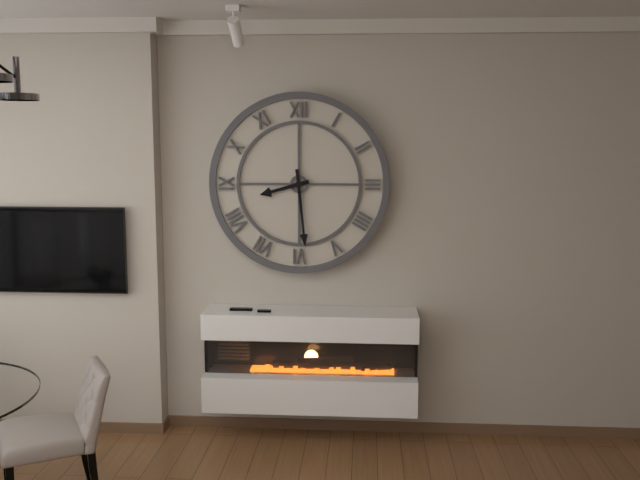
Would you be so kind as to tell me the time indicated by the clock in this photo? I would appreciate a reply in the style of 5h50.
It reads 8h29
